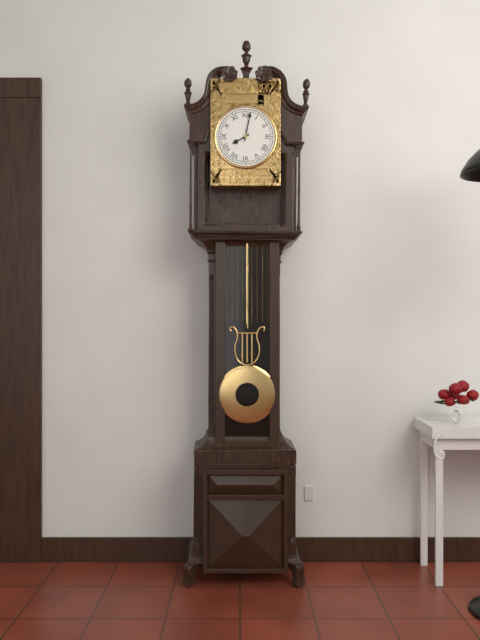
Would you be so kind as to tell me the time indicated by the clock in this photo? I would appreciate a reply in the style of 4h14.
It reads 8h02
